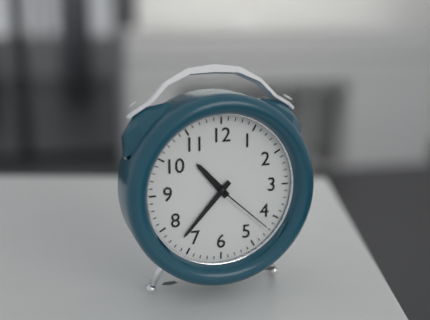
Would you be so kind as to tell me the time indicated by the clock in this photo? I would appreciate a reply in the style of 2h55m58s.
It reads 10h37m22s
